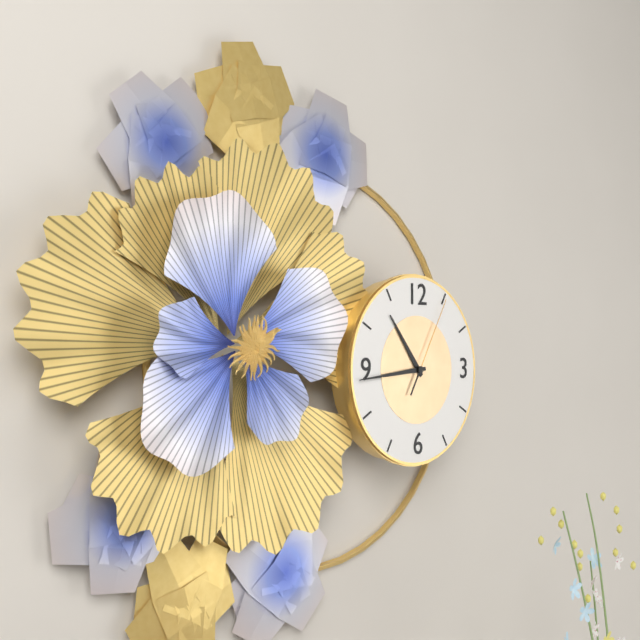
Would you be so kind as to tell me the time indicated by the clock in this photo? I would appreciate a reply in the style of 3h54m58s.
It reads 10h44m05s
